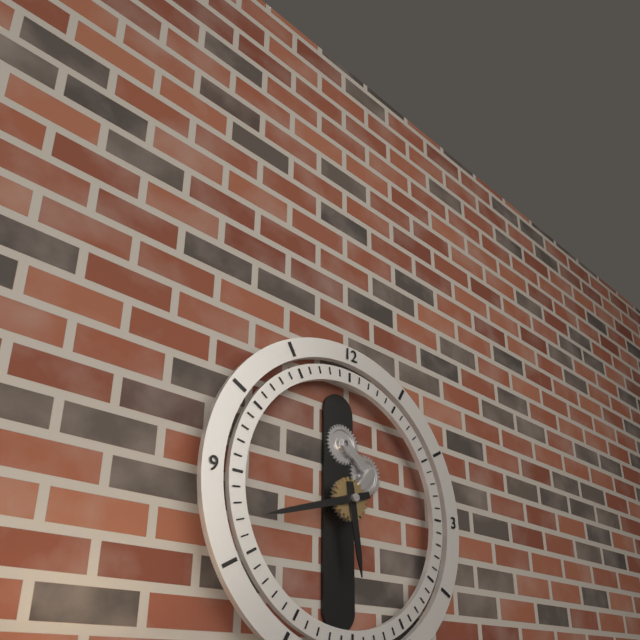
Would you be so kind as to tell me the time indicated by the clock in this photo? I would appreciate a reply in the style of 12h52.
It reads 5h42
